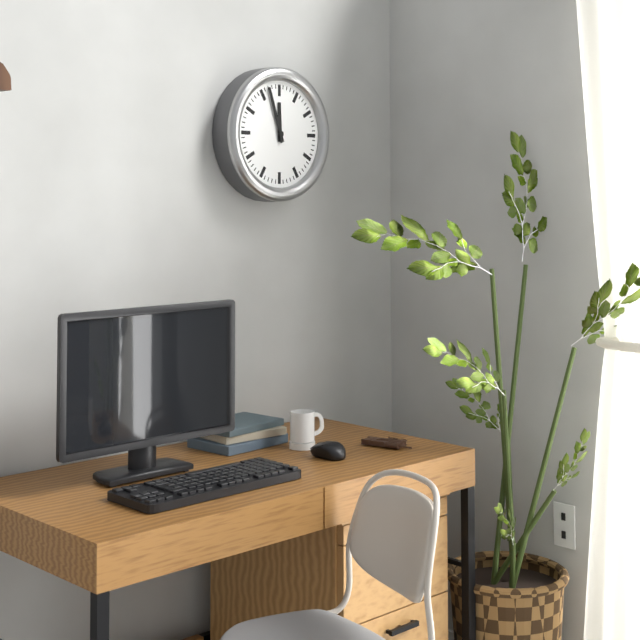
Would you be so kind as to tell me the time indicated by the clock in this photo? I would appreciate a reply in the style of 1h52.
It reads 11h57
